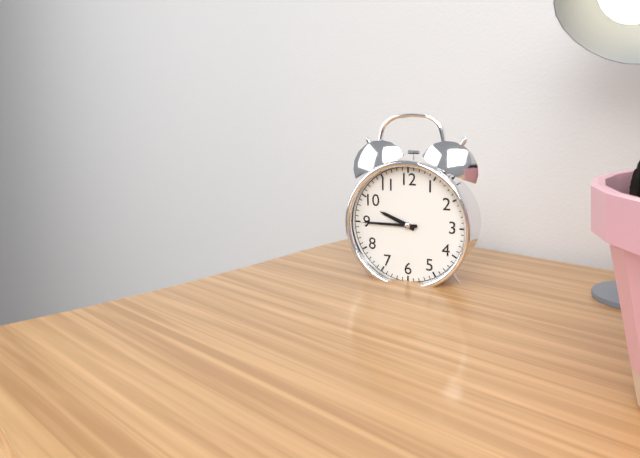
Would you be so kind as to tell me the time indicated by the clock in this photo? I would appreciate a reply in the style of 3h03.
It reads 9h45
